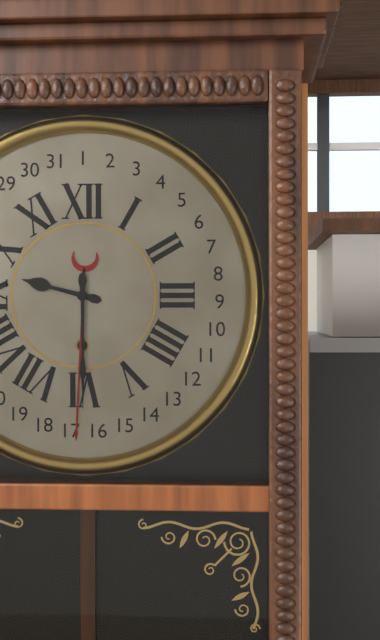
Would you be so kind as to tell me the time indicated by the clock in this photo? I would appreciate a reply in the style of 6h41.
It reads 9h30
